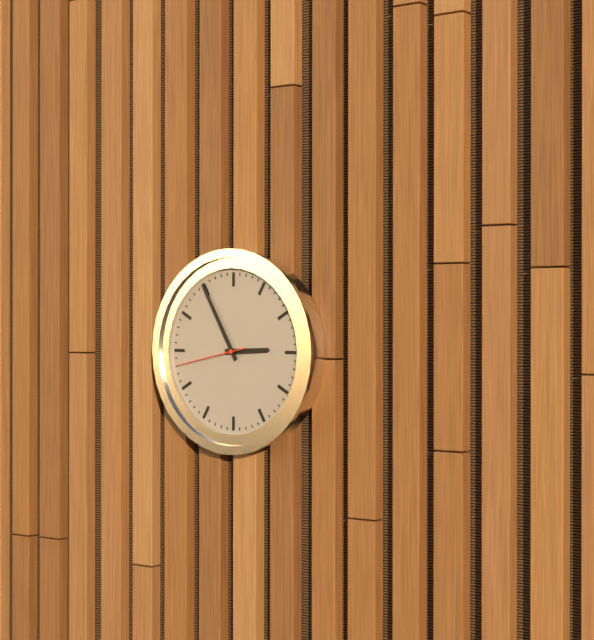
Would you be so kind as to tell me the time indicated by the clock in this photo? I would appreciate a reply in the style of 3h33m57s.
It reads 2h55m43s
